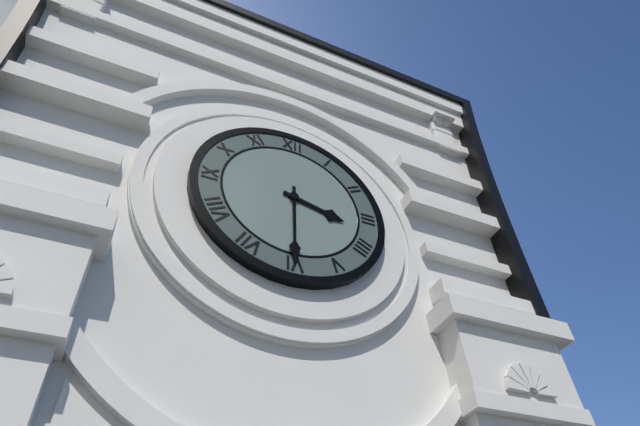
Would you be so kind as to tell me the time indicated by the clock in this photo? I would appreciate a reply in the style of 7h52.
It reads 3h30
